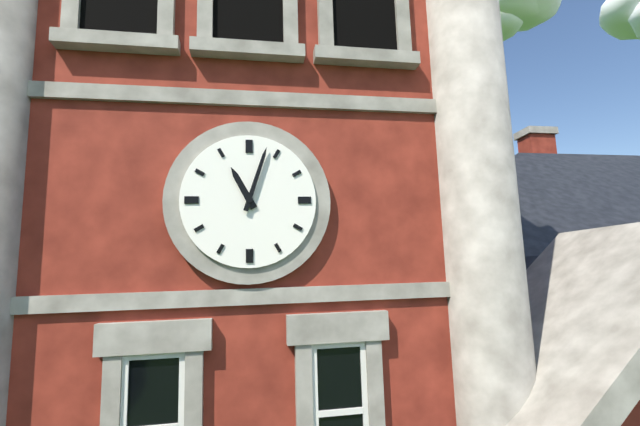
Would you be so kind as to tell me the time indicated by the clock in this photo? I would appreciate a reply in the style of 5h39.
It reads 11h03
